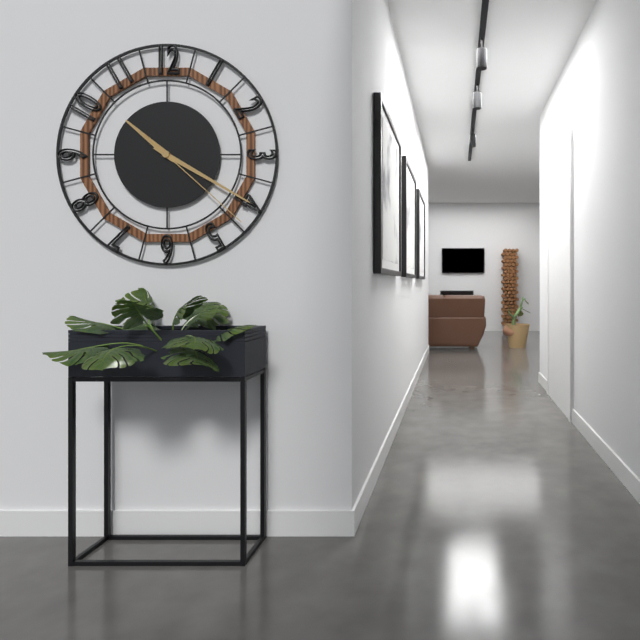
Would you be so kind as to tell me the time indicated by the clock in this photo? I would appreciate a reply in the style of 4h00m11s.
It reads 10h20m22s
